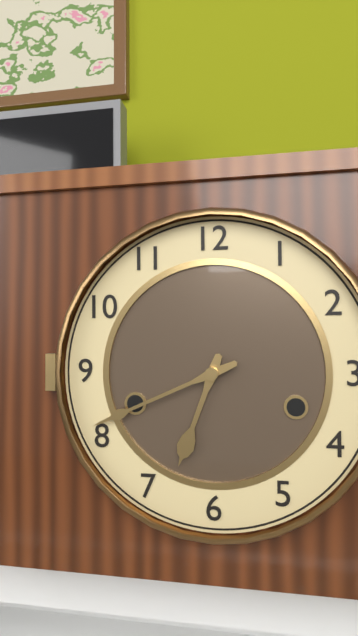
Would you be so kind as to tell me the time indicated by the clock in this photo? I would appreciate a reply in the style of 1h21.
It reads 6h41
